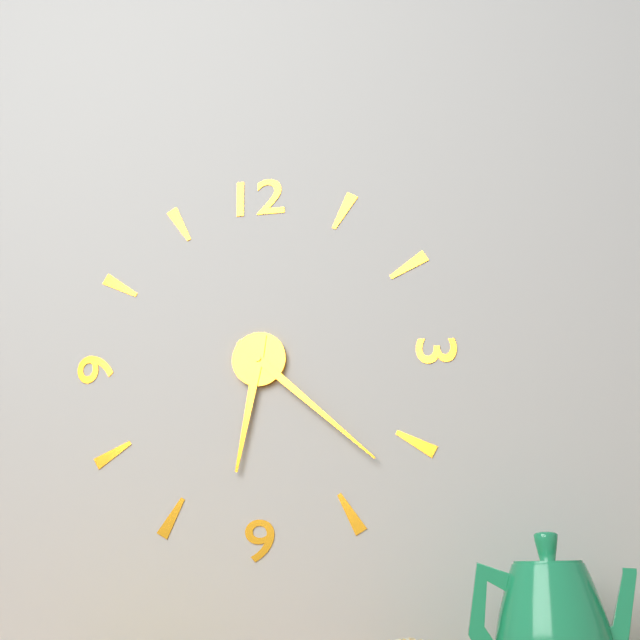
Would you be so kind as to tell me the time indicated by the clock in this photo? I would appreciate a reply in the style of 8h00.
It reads 6h22
